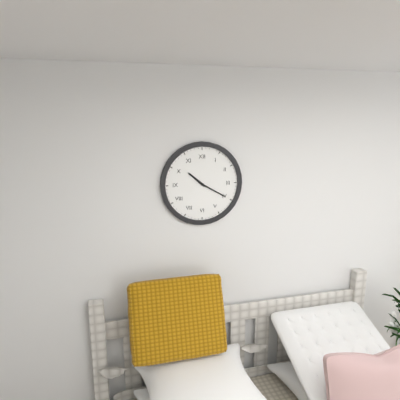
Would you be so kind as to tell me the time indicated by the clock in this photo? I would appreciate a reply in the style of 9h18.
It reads 10h20
